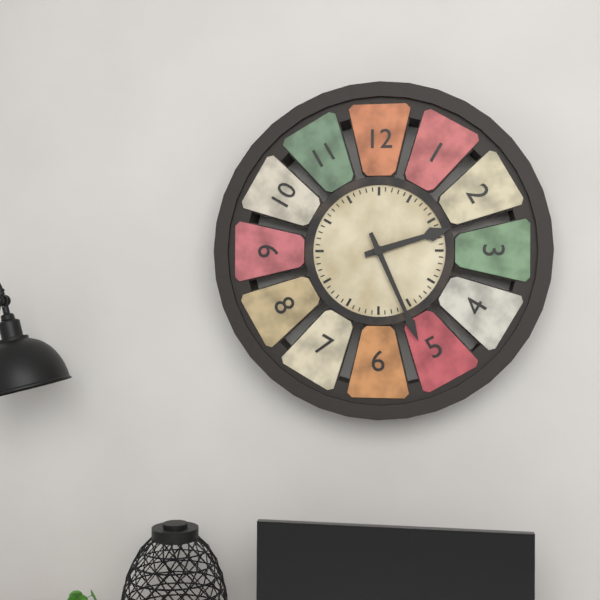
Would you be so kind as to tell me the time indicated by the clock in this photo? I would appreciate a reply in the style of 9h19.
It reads 2h26
